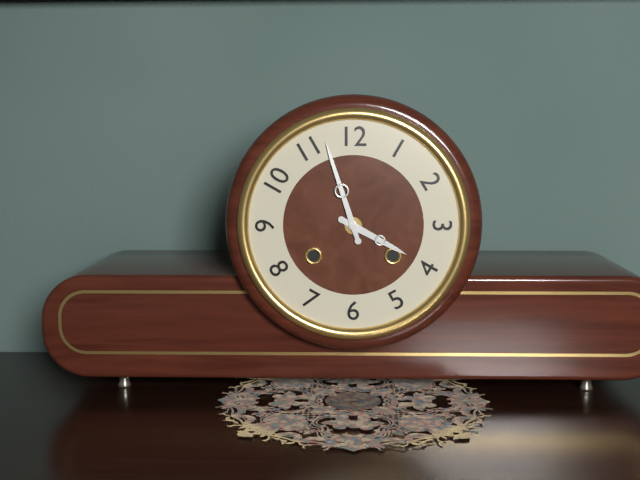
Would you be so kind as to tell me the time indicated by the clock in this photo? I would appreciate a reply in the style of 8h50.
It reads 3h57
